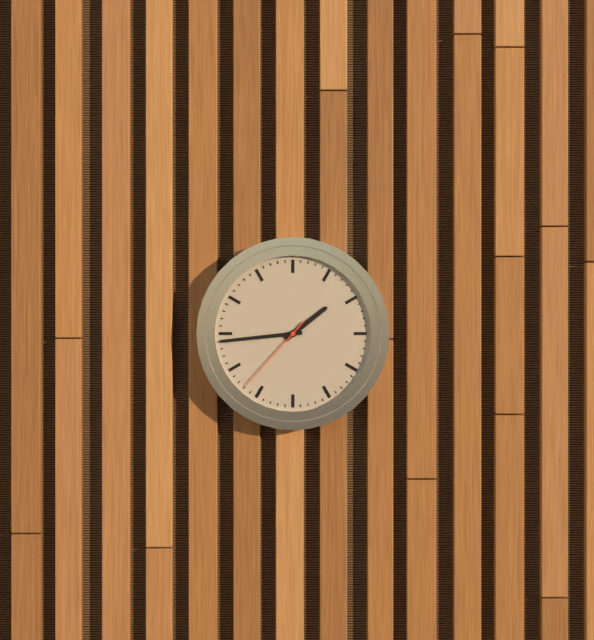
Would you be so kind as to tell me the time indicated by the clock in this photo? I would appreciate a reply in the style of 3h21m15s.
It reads 1h44m37s
